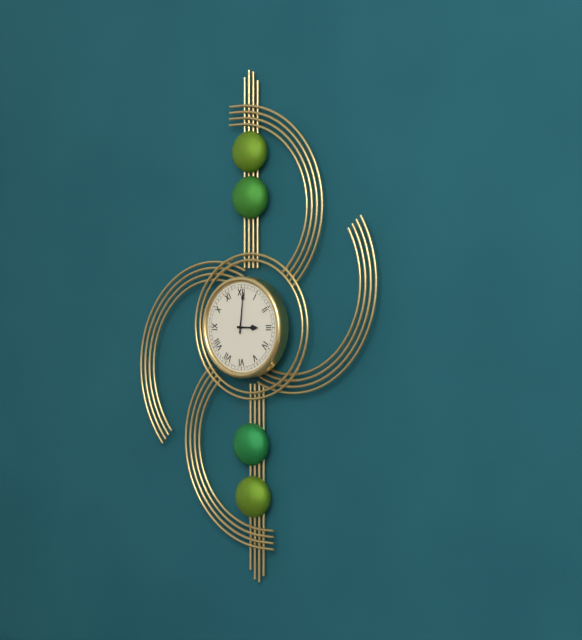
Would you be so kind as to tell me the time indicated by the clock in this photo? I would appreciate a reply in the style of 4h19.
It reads 3h01
